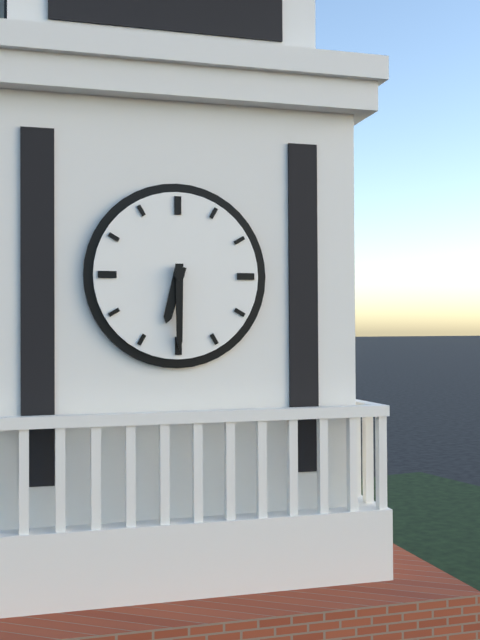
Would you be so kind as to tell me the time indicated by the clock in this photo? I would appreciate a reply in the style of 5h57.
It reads 6h30
